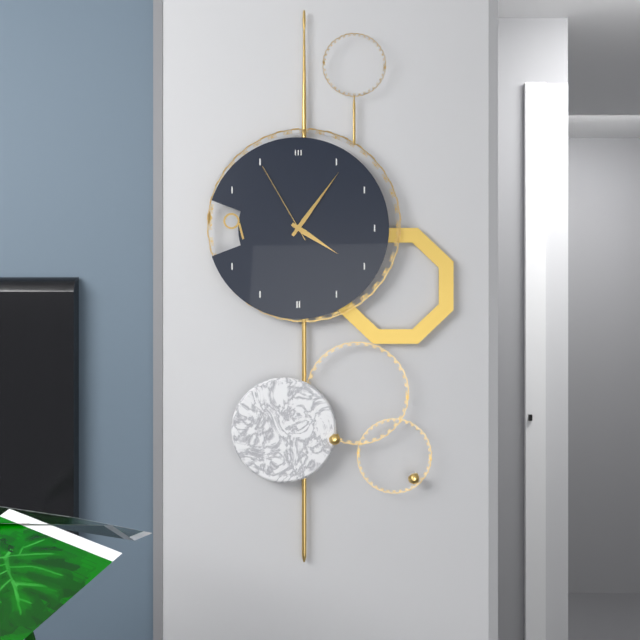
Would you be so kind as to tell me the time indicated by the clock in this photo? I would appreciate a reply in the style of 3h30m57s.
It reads 4h06m55s
